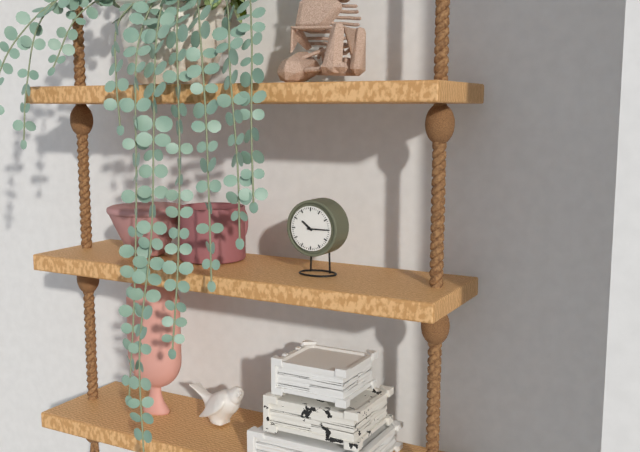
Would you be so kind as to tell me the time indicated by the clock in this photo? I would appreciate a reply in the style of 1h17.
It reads 10h15
